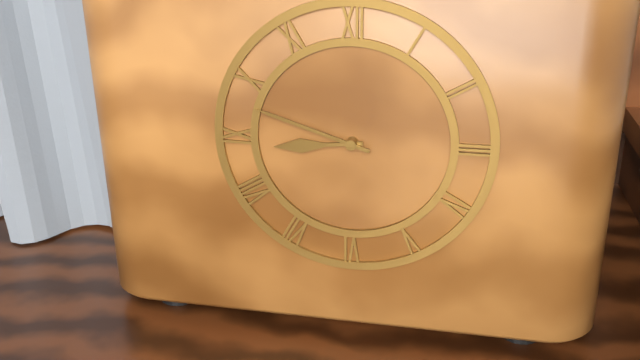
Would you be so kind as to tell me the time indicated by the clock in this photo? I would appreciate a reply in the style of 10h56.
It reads 8h48
